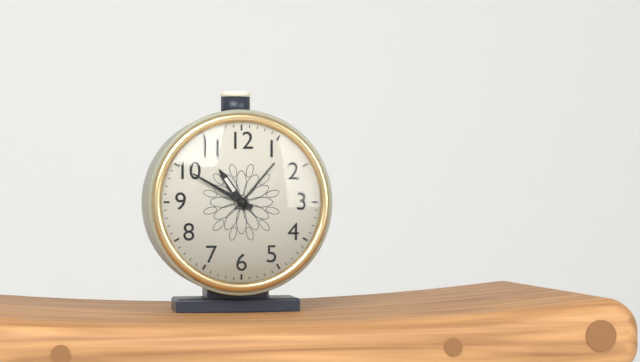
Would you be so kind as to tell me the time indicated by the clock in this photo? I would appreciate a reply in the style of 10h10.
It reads 10h50
